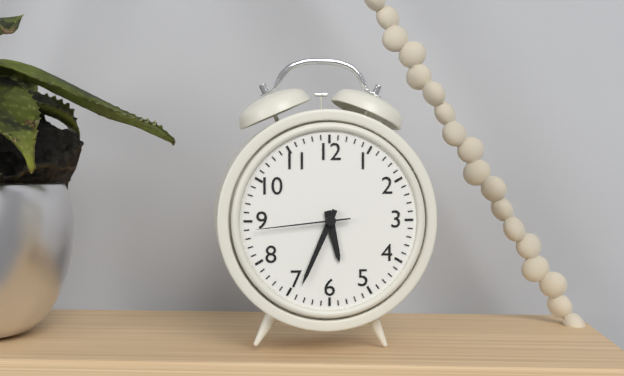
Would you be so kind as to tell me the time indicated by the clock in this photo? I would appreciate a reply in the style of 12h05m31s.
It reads 5h34m44s
